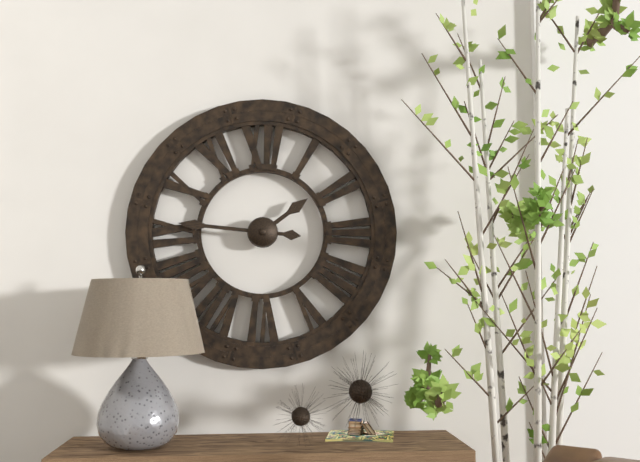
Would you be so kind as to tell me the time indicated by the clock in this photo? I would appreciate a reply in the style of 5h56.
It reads 1h46
